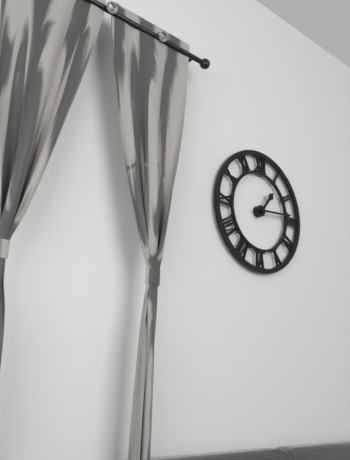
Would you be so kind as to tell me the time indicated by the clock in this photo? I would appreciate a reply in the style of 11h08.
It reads 1h14
